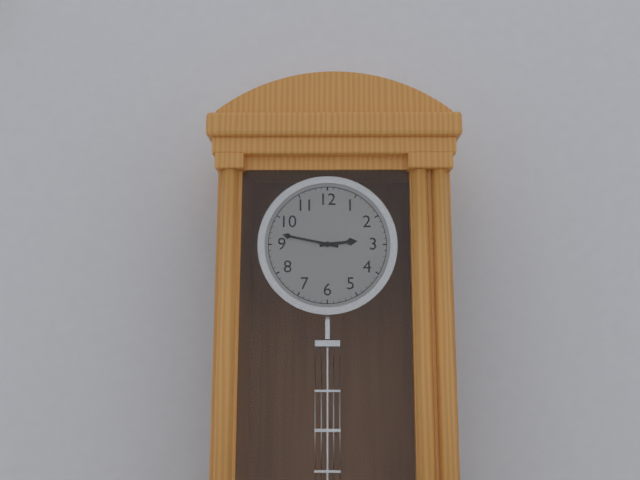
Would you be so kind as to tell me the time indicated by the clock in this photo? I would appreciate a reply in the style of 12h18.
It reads 2h47
